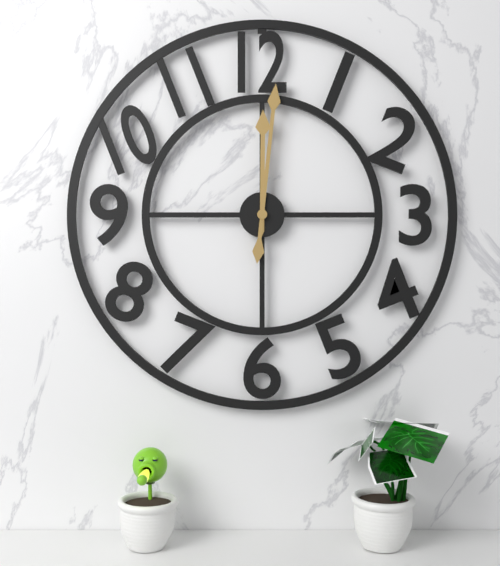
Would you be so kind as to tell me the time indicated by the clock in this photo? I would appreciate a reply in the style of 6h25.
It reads 12h01
